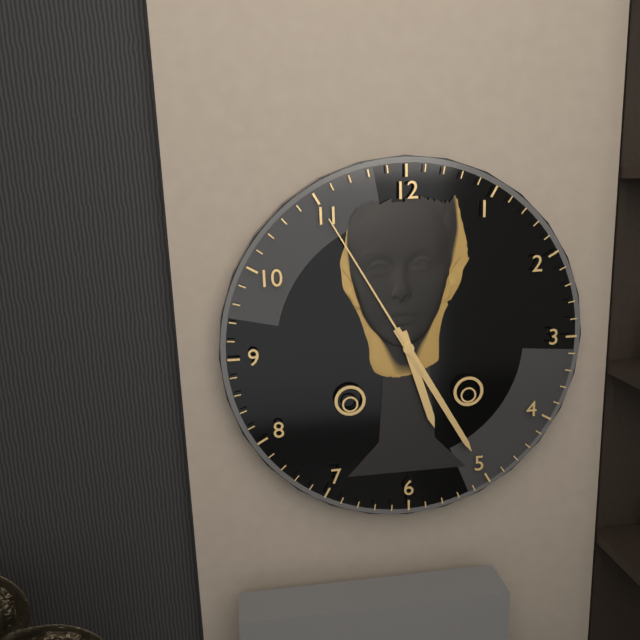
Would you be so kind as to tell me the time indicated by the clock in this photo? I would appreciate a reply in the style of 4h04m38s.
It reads 5h25m55s
